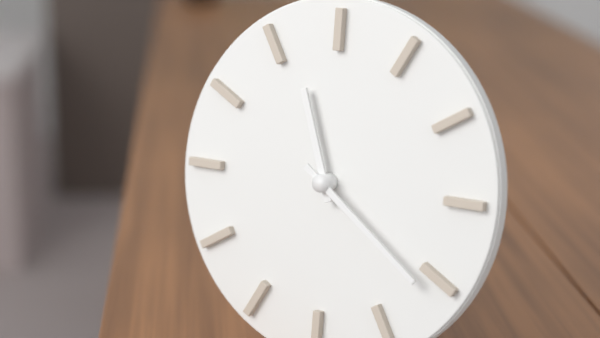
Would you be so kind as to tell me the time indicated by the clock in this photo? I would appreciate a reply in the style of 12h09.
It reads 11h21
